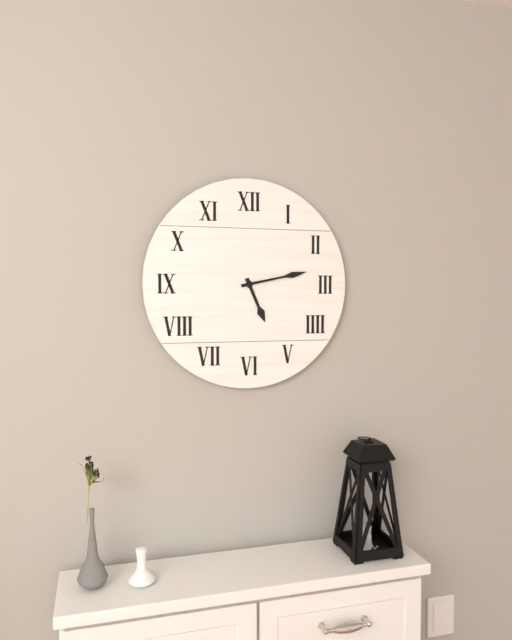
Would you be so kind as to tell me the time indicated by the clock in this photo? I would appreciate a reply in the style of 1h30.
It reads 5h13
